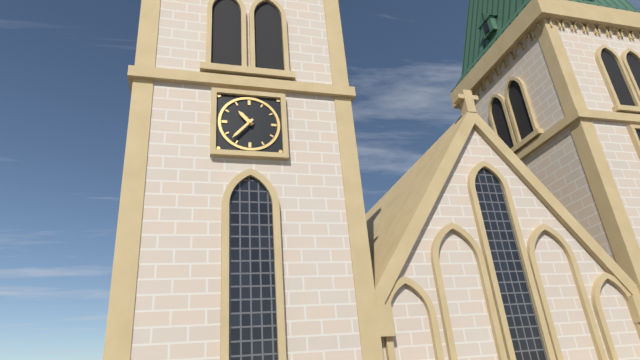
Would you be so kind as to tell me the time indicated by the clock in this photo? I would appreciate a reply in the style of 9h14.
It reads 10h37
